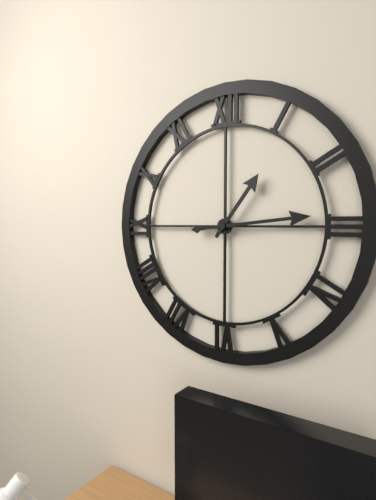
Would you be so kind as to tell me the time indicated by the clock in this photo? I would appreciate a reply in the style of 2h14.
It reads 1h14
